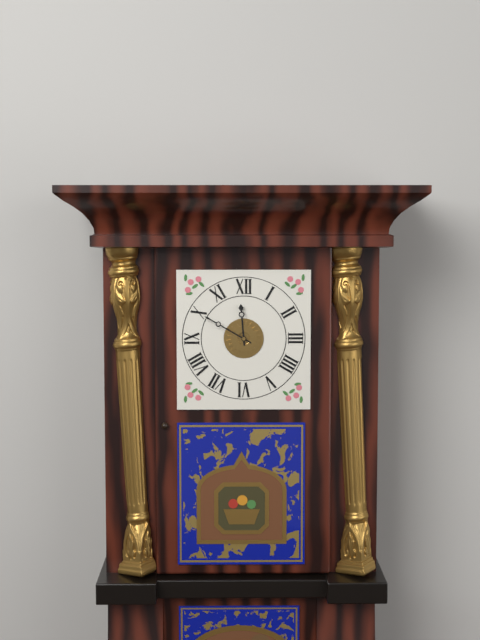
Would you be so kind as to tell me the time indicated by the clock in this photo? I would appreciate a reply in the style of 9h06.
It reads 11h50
